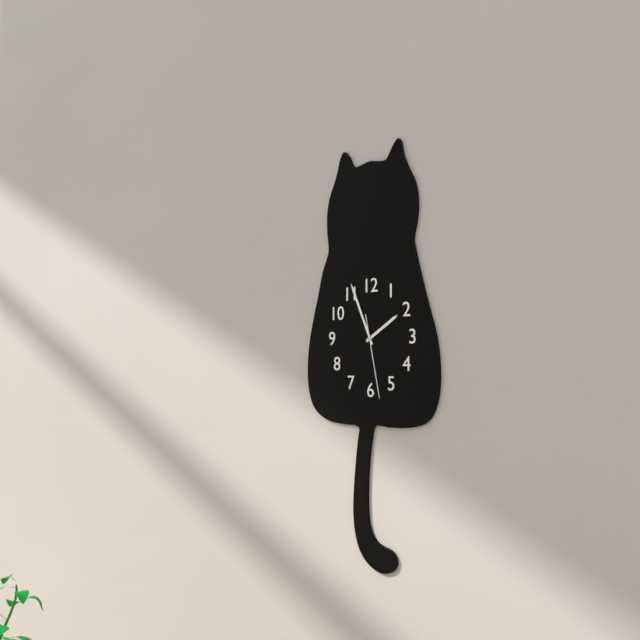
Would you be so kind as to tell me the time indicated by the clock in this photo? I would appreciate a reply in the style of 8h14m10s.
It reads 1h56m28s
